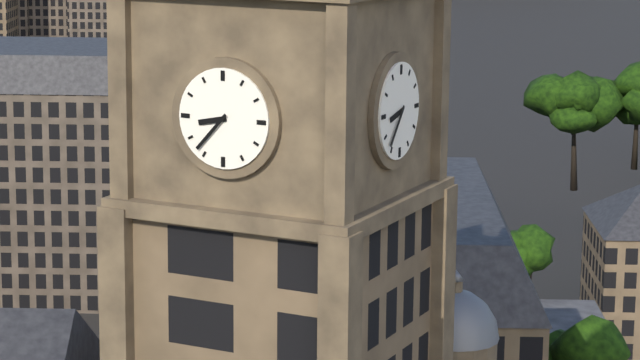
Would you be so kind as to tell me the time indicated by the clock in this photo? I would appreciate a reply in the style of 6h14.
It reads 8h37
